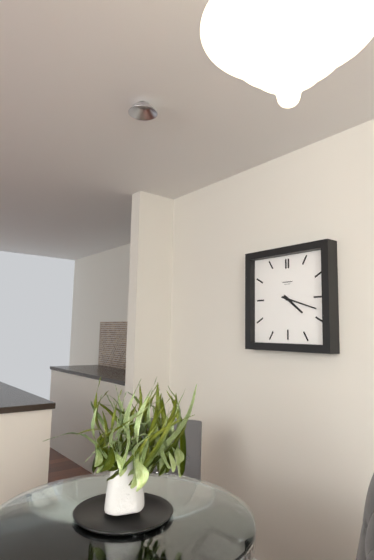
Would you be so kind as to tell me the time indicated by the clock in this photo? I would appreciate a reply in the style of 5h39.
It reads 4h18
